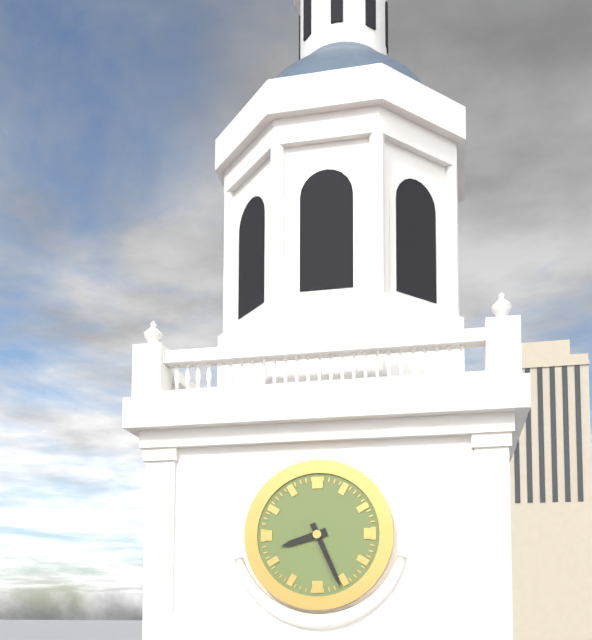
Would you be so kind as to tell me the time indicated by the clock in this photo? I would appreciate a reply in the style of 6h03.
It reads 8h26
